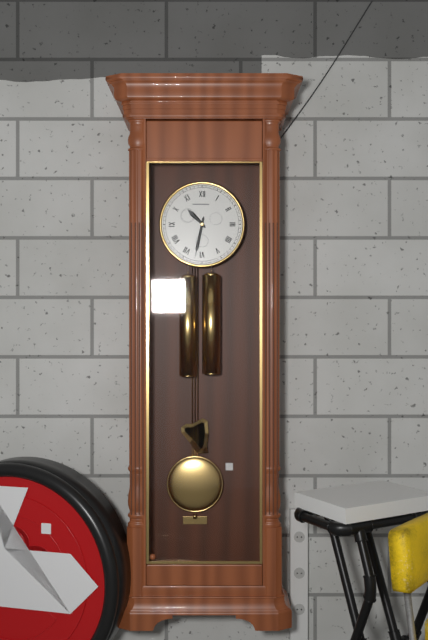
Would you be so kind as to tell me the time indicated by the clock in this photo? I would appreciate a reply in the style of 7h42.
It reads 10h32
